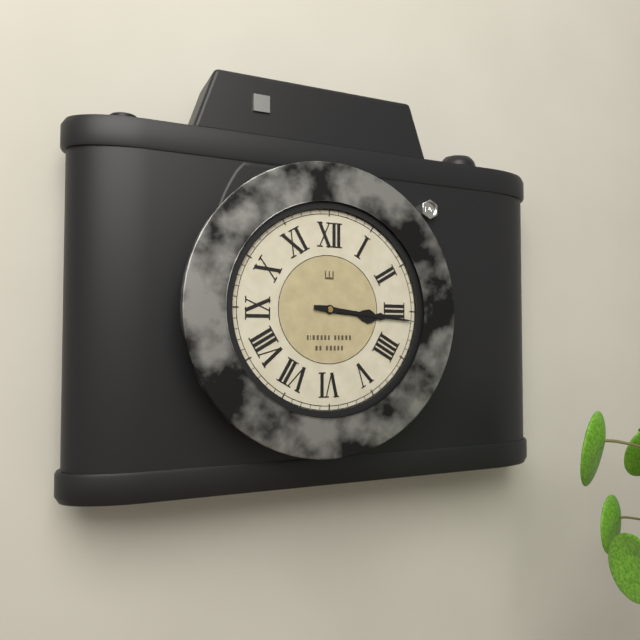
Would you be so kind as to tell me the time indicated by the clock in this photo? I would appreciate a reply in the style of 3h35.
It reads 3h16
